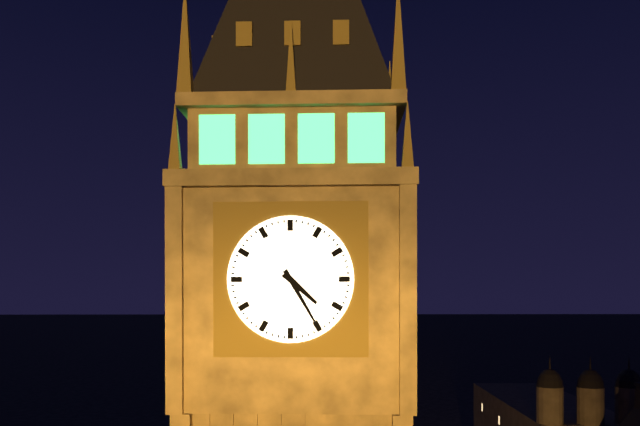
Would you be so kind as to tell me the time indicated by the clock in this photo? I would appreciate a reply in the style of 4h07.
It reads 4h25
